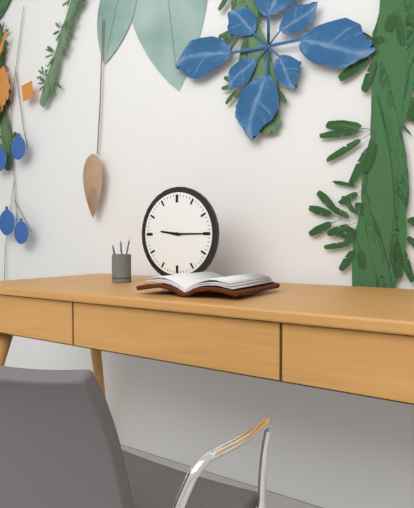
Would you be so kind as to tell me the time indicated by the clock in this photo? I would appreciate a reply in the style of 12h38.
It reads 9h15
